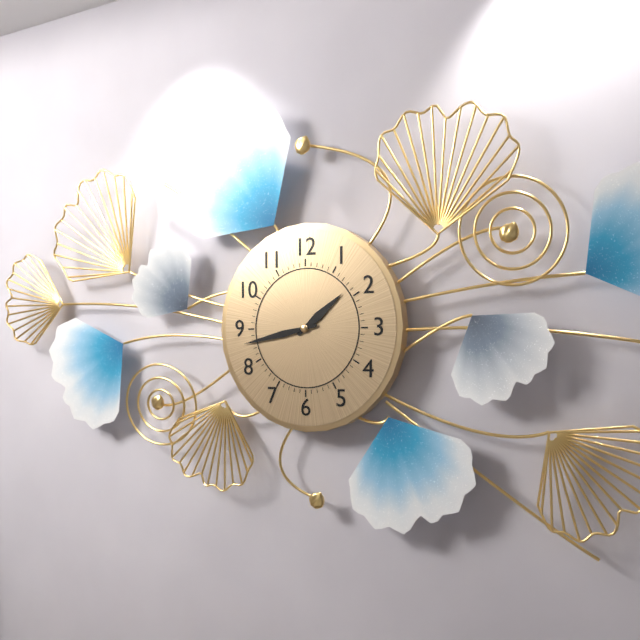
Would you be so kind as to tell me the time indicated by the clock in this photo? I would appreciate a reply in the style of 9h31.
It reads 1h43
